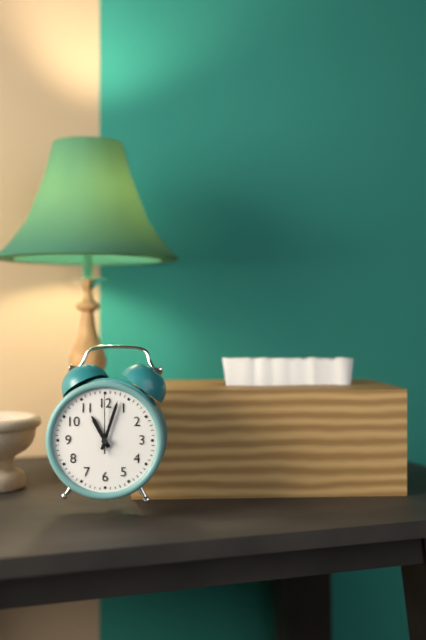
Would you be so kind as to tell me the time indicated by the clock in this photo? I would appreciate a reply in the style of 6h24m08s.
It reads 11h03m00s
